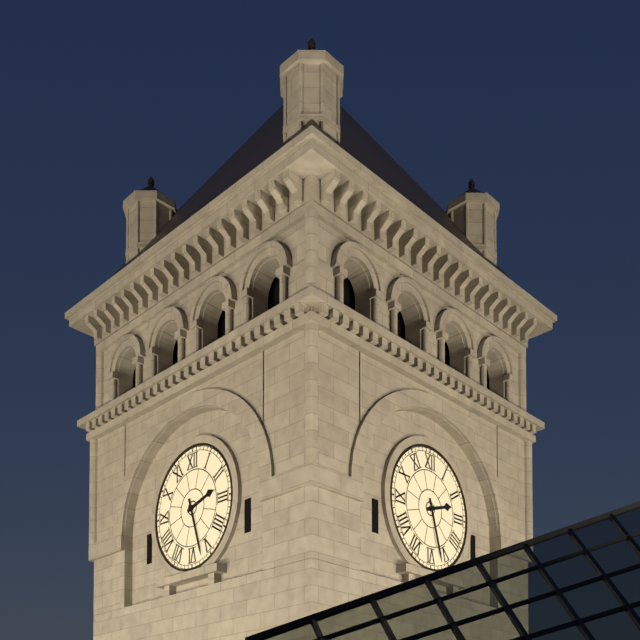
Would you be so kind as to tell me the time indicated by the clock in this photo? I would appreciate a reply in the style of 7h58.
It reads 2h27
